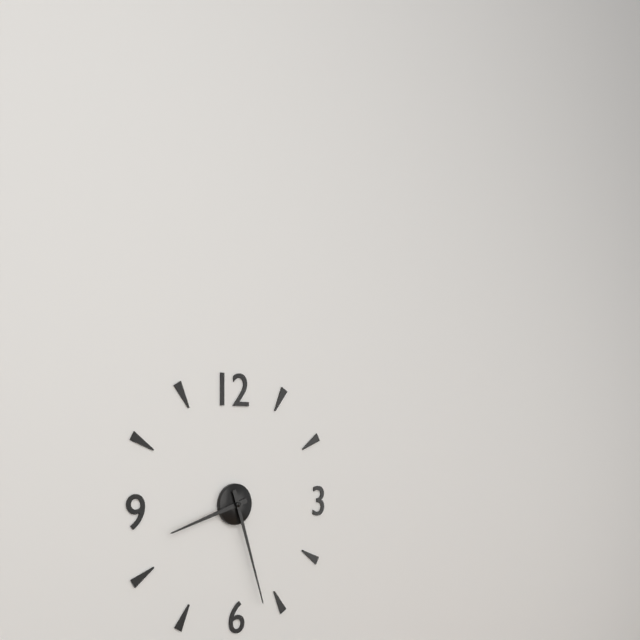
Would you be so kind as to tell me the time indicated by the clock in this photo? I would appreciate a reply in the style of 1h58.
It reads 8h27
